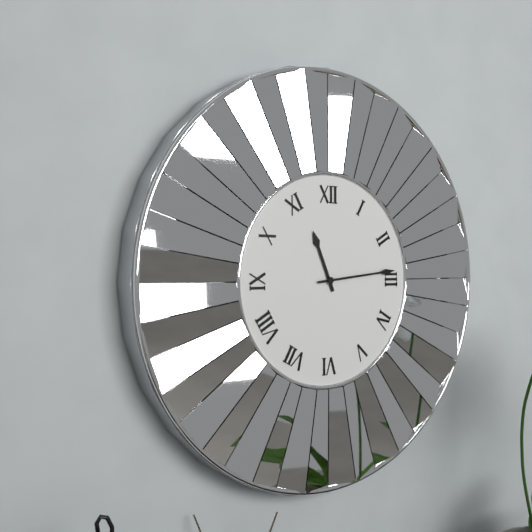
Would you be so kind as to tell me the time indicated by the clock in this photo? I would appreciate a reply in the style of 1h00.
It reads 11h14
